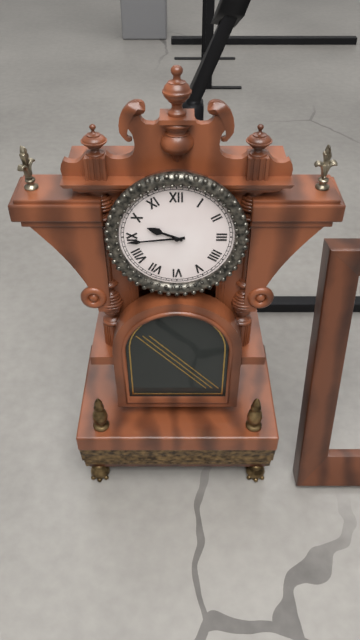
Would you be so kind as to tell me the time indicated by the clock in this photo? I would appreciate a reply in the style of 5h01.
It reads 9h44
